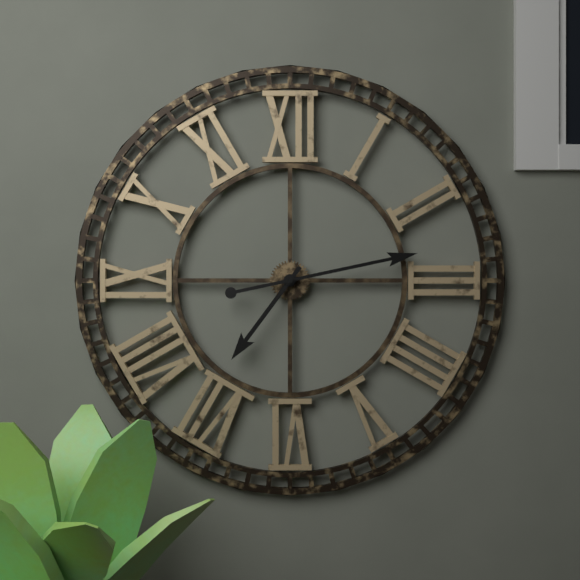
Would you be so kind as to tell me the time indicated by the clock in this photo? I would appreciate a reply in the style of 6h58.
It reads 7h13
